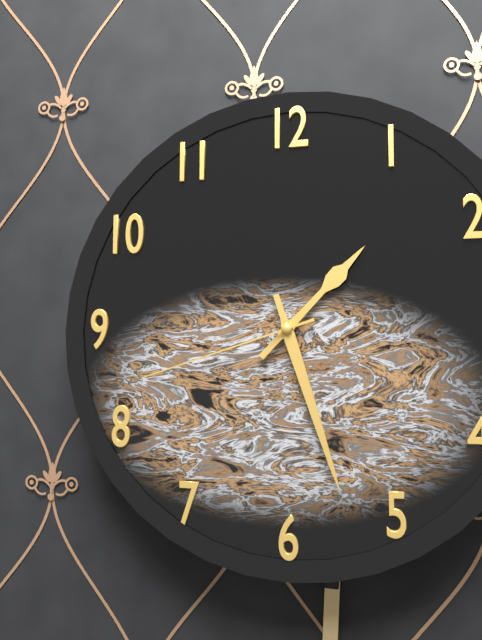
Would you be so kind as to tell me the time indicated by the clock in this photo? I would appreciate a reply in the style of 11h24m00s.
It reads 1h27m42s
